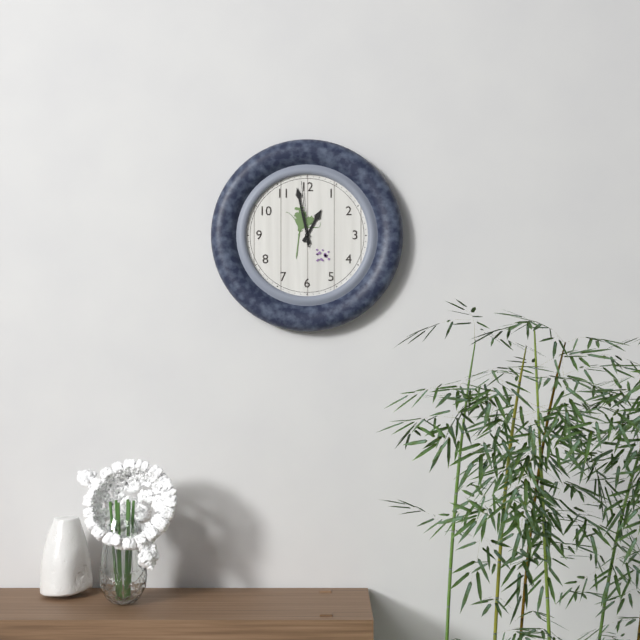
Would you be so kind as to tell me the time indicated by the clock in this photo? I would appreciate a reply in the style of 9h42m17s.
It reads 12h58m59s
